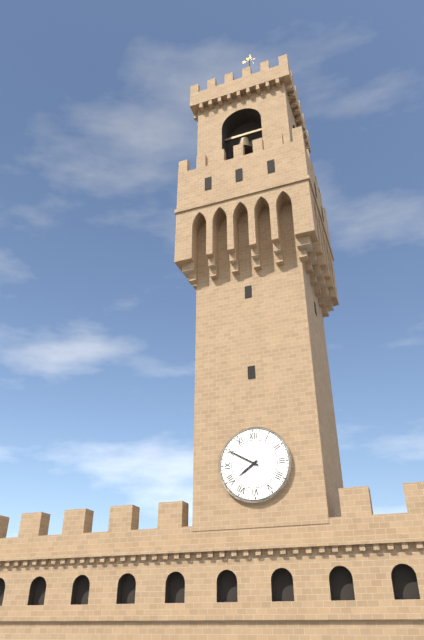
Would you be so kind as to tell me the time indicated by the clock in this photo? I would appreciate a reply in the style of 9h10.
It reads 7h50
